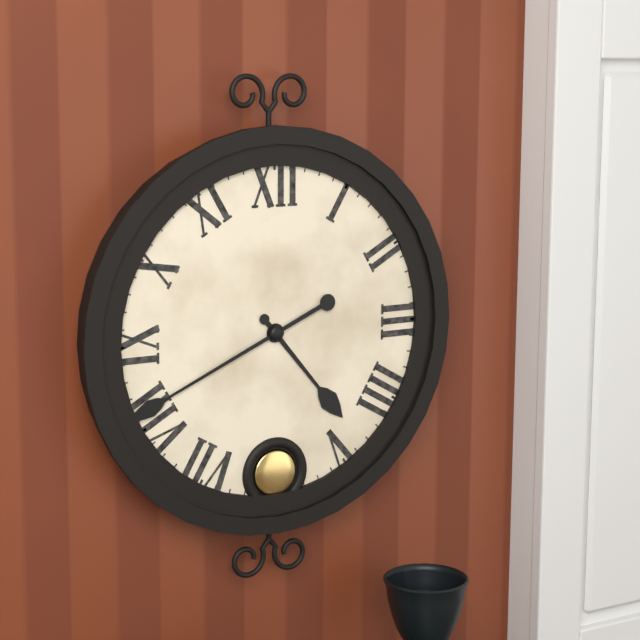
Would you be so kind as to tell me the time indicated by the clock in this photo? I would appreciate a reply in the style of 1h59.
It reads 4h41
